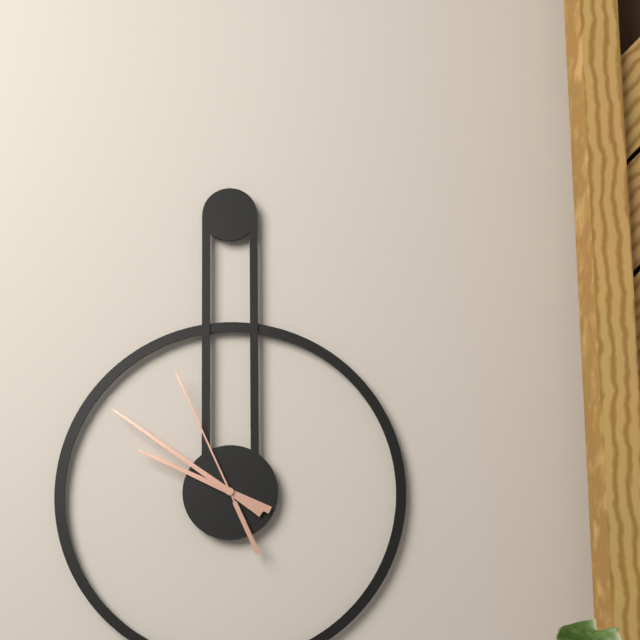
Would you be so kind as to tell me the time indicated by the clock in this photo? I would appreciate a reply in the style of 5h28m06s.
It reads 9h51m56s
